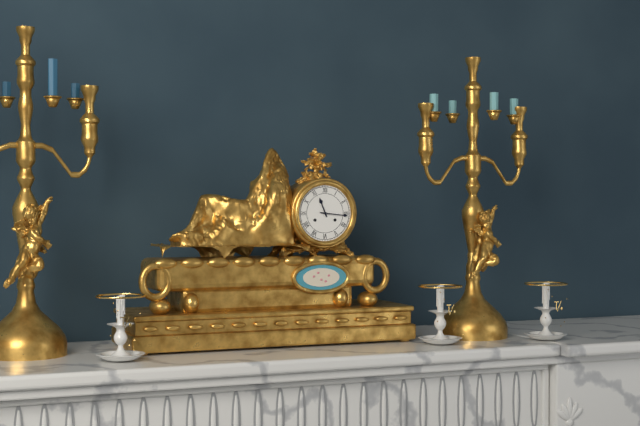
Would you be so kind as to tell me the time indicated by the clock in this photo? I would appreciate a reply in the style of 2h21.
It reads 11h16
